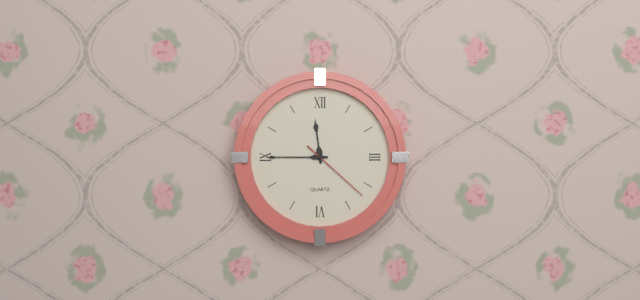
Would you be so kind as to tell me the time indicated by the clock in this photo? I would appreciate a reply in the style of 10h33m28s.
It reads 11h45m22s
